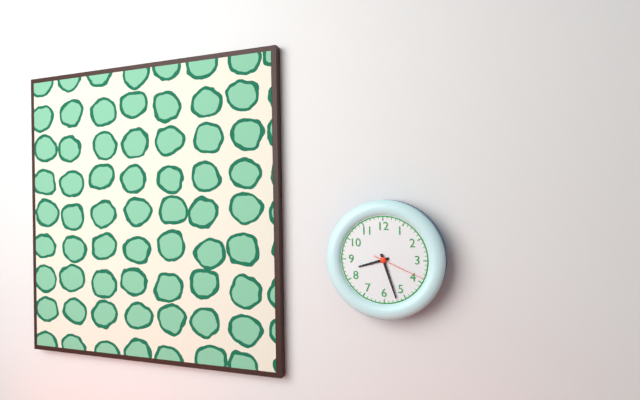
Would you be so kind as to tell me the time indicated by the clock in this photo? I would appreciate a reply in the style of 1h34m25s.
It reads 8h27m19s
